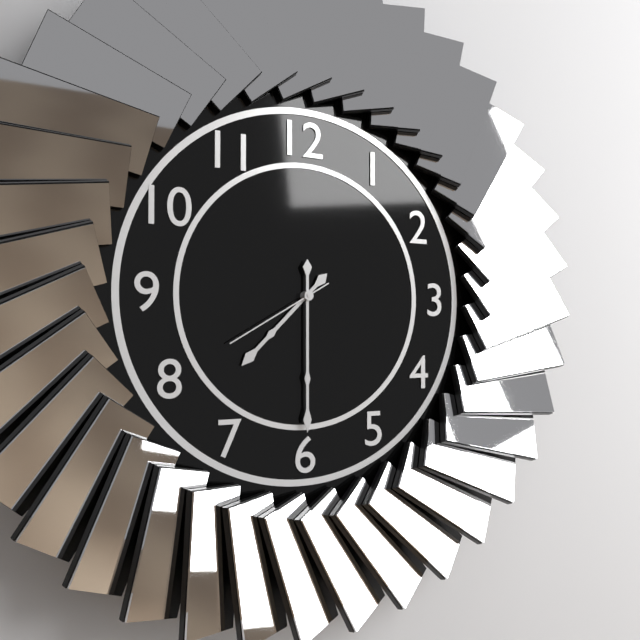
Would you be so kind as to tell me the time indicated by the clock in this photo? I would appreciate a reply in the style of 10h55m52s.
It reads 7h30m40s
